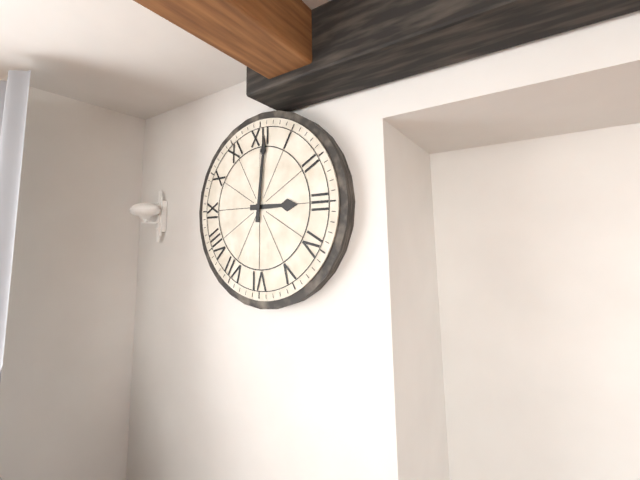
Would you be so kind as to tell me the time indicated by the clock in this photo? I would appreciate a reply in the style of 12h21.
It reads 3h01
